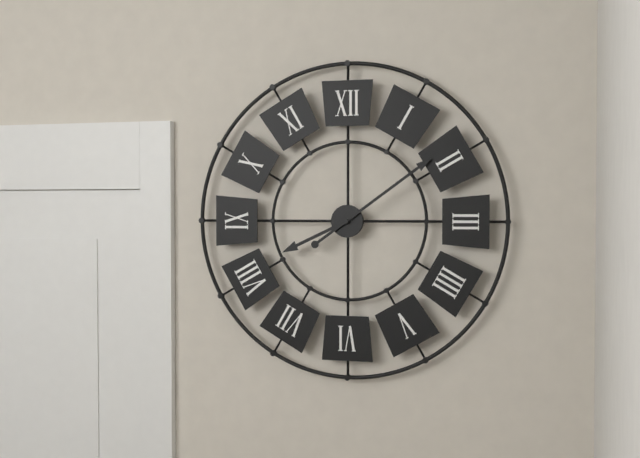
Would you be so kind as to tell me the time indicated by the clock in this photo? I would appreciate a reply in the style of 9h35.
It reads 8h09
